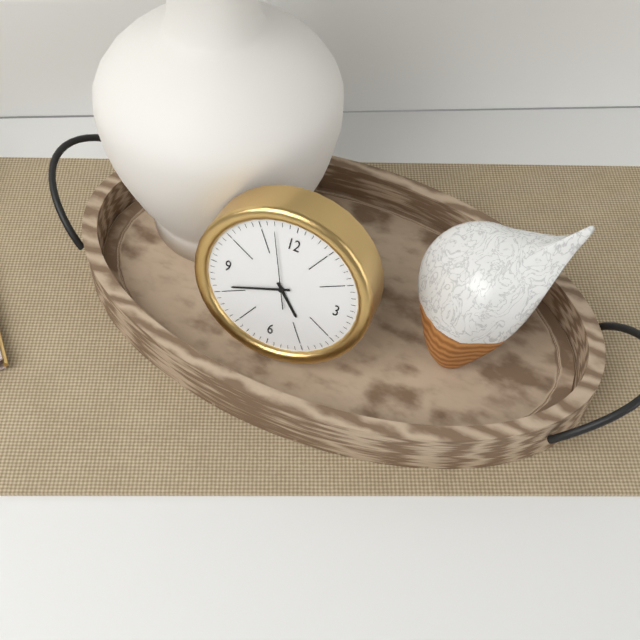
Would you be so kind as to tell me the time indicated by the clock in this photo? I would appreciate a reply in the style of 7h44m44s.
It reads 4h41m57s
